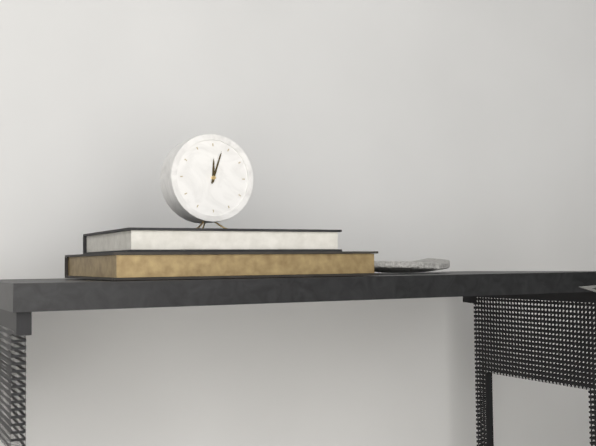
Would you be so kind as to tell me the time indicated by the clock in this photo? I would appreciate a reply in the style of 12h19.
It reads 12h03
